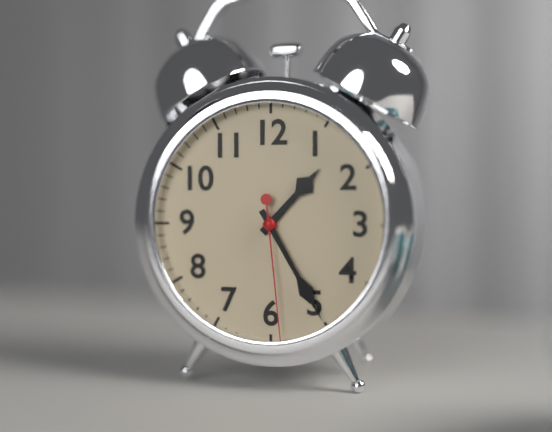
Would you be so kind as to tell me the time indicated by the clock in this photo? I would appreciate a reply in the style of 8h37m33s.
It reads 1h25m29s
